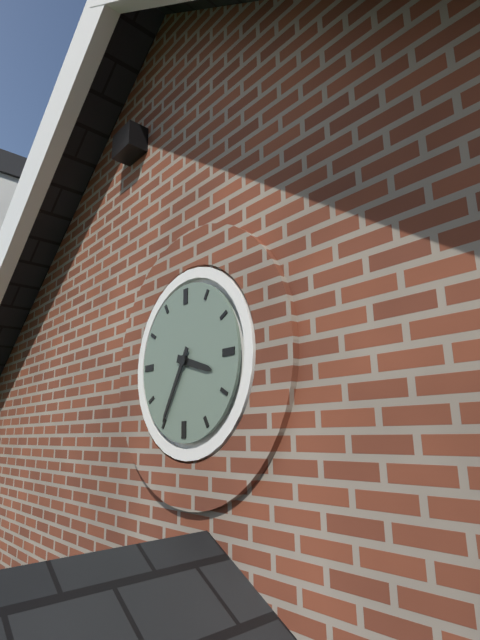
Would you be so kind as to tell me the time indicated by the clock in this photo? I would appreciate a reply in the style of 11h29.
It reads 3h35
